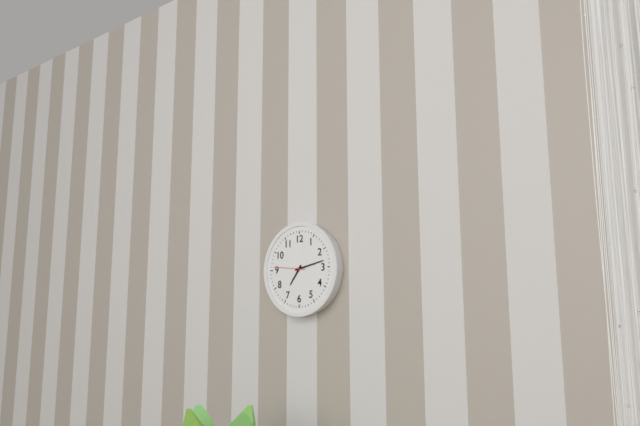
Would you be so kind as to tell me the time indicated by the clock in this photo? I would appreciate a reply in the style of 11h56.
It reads 7h13
